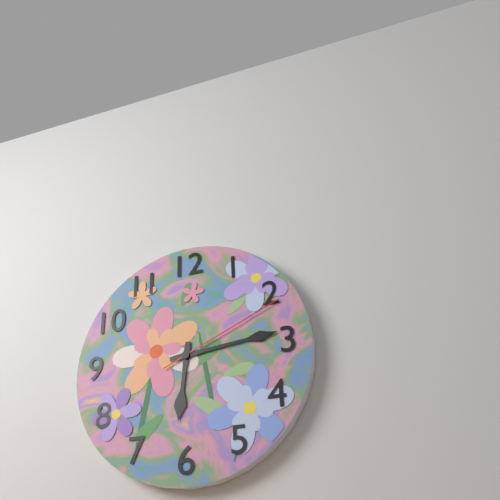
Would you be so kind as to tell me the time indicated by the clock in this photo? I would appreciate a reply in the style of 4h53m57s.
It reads 6h14m11s
